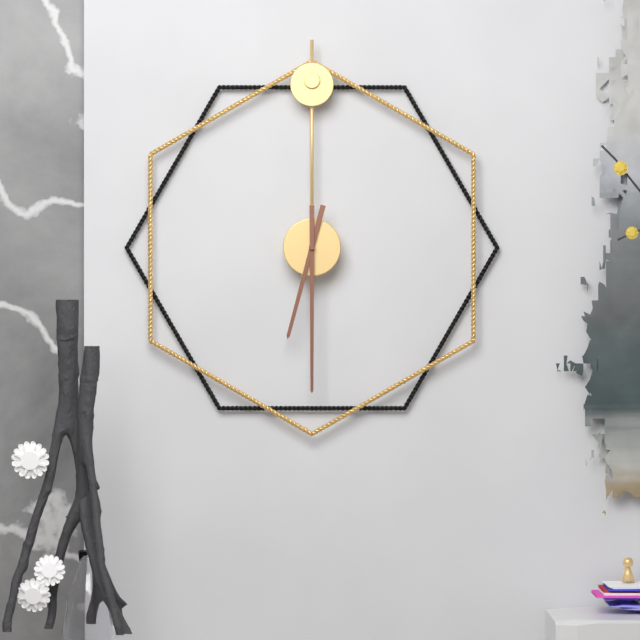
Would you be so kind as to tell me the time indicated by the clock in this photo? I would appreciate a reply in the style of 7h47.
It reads 6h30
